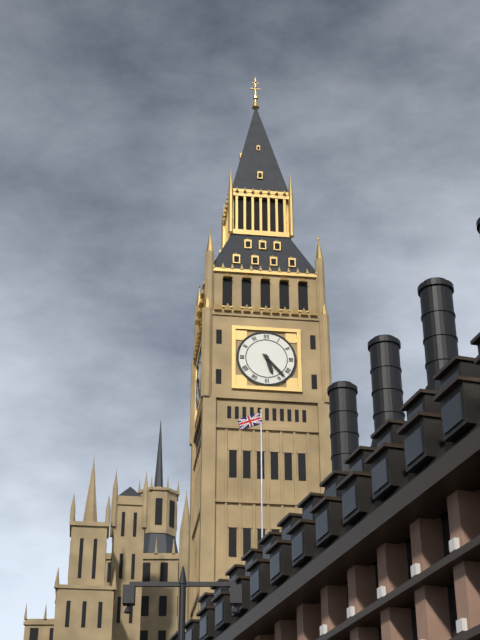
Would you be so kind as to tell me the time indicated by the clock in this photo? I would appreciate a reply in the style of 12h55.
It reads 5h23
